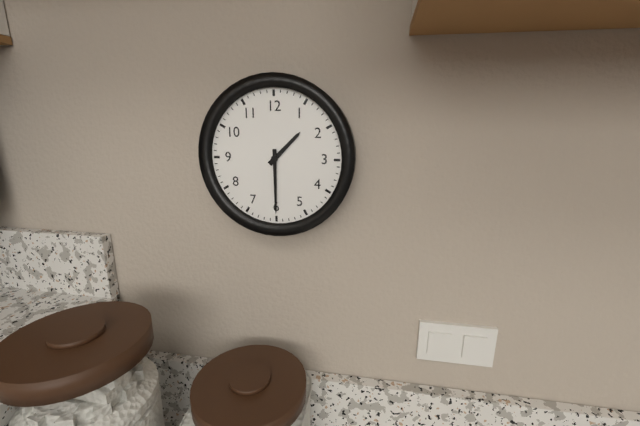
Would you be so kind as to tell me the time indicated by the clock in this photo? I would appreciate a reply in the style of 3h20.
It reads 1h30
